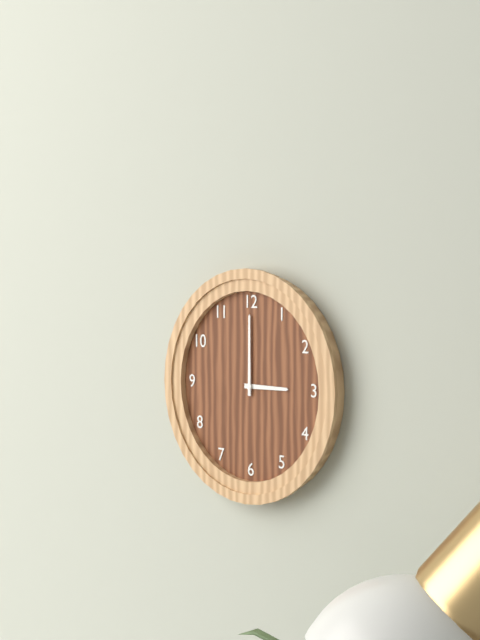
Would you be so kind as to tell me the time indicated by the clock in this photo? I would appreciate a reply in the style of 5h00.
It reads 3h00
